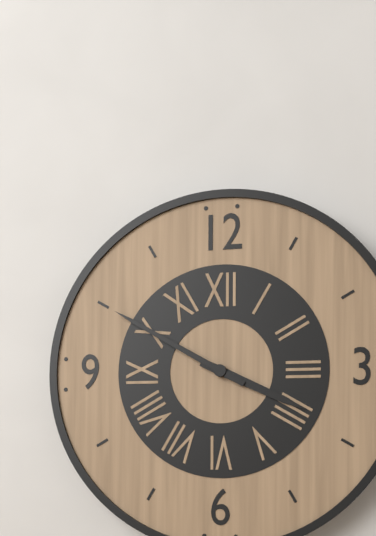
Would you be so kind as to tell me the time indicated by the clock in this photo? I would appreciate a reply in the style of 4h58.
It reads 3h50
